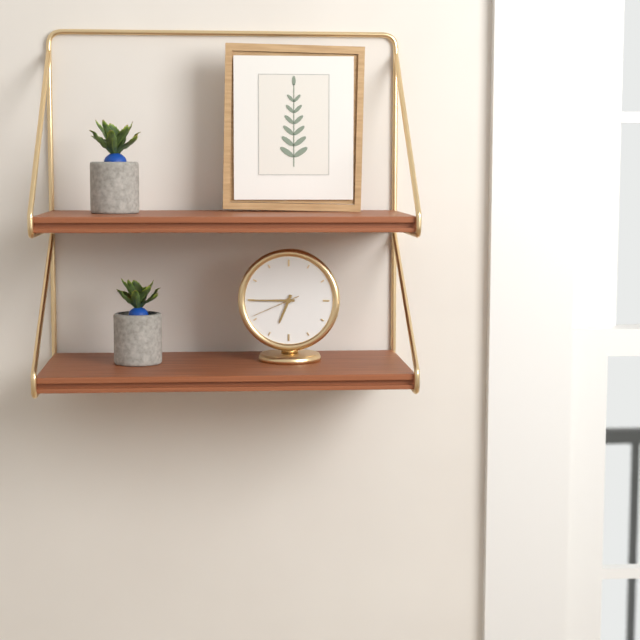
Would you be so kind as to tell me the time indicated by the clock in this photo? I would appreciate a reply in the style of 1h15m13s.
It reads 6h45m41s
